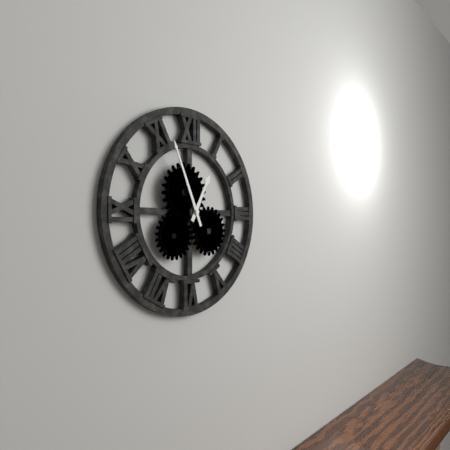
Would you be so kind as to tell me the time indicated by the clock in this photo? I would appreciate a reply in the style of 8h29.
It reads 12h56
